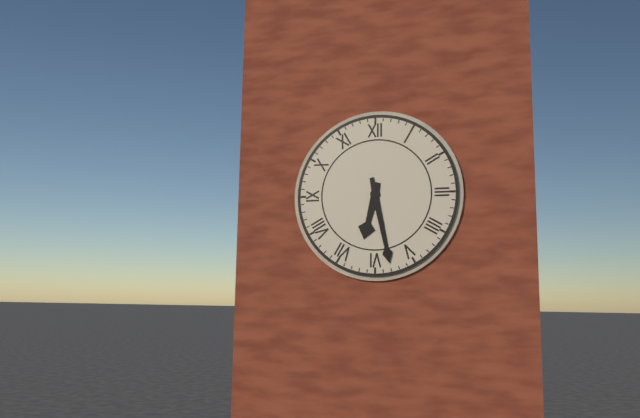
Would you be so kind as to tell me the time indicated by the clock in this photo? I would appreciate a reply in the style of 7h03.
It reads 6h28
